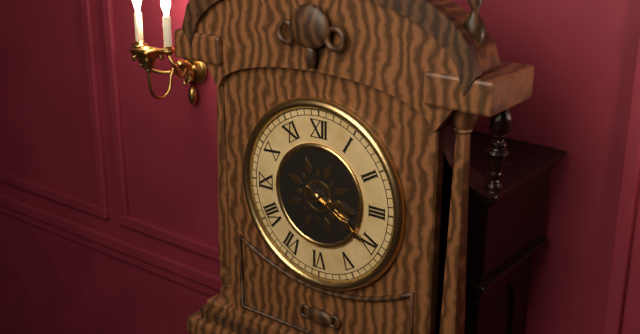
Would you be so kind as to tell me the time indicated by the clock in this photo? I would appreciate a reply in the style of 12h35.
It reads 3h20
